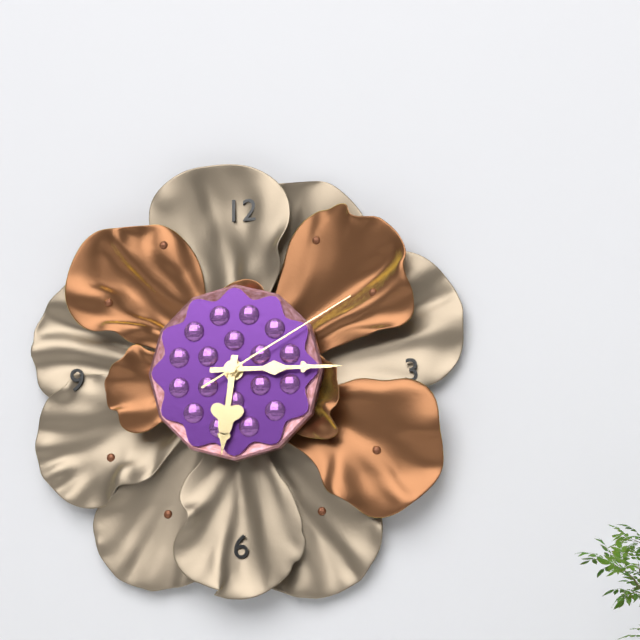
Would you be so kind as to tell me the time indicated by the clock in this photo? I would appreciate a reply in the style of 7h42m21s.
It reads 6h15m10s
